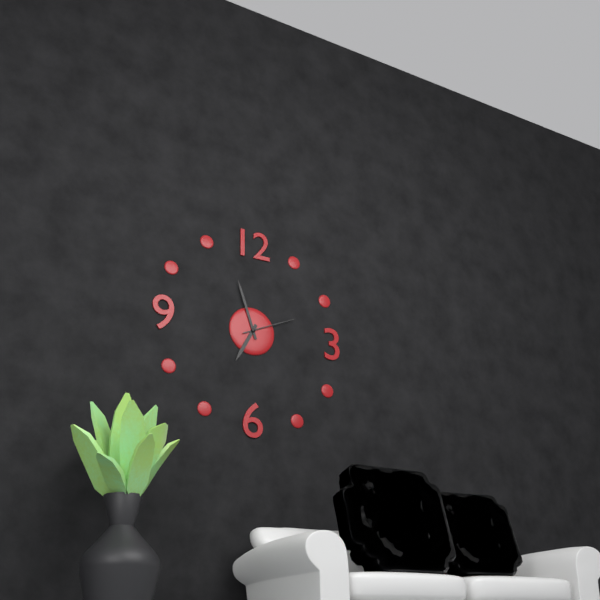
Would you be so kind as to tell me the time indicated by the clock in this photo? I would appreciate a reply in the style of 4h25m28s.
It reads 6h57m11s
